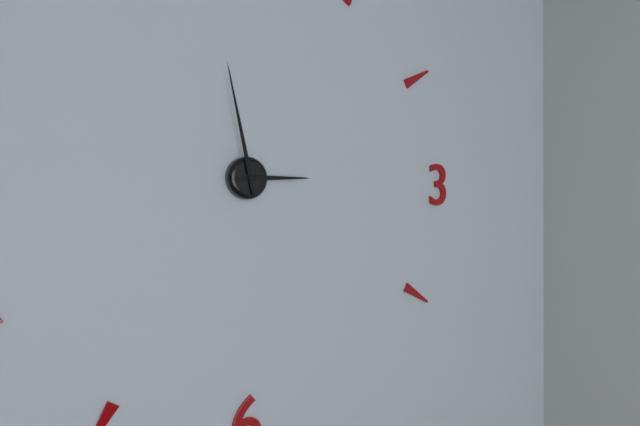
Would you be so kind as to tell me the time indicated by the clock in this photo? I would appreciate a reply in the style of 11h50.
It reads 2h58
